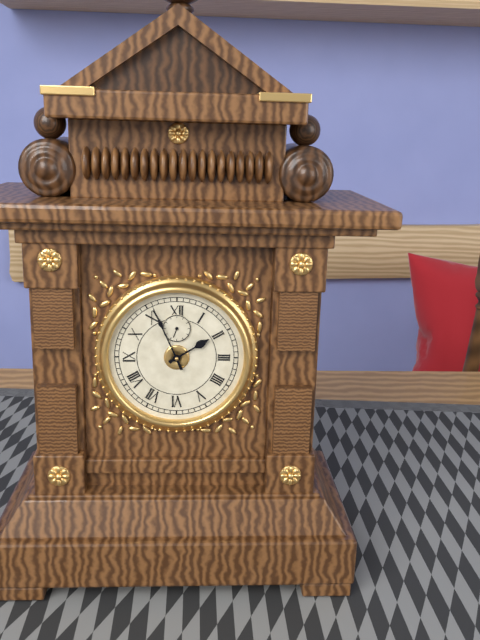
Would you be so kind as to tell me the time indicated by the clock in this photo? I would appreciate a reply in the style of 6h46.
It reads 1h56
